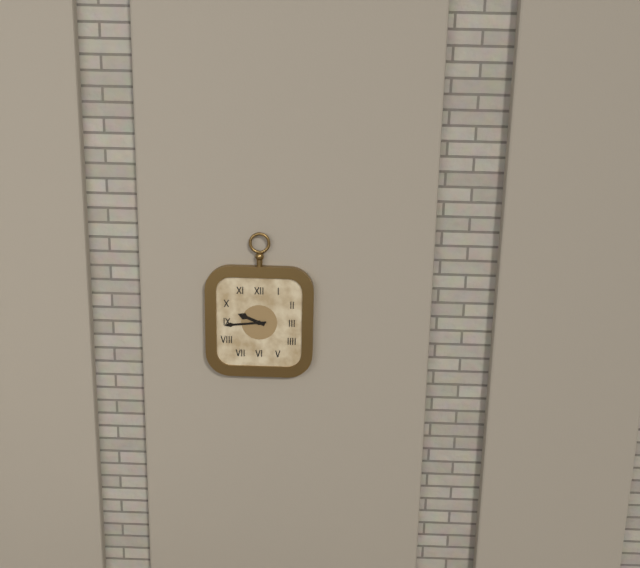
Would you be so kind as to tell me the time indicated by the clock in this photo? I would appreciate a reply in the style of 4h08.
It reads 9h44
